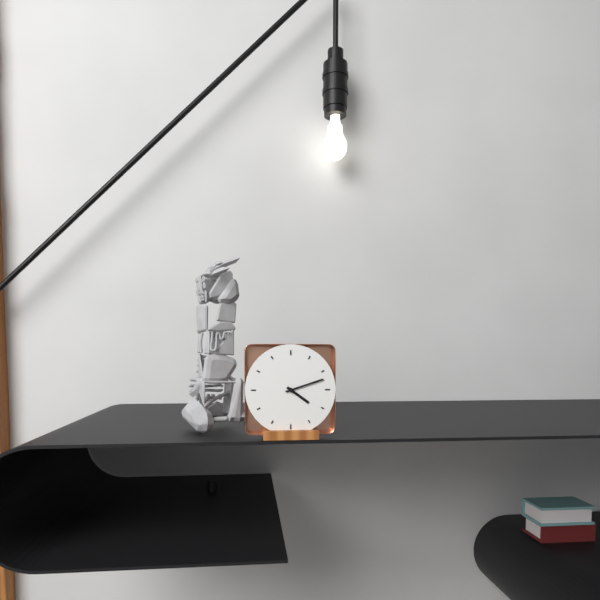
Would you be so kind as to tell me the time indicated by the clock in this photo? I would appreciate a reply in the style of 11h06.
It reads 4h12
